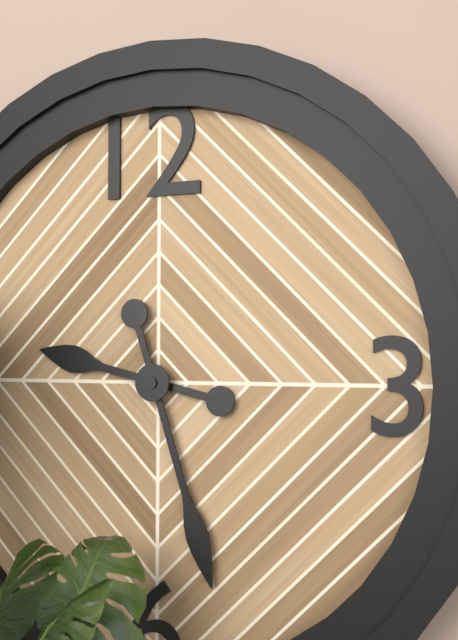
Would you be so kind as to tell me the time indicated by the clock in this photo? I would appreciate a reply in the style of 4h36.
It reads 9h27
